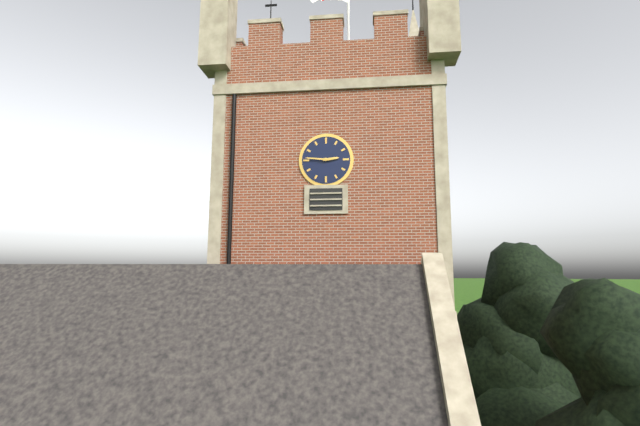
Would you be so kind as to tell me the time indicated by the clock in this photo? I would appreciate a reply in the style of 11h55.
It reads 2h46
